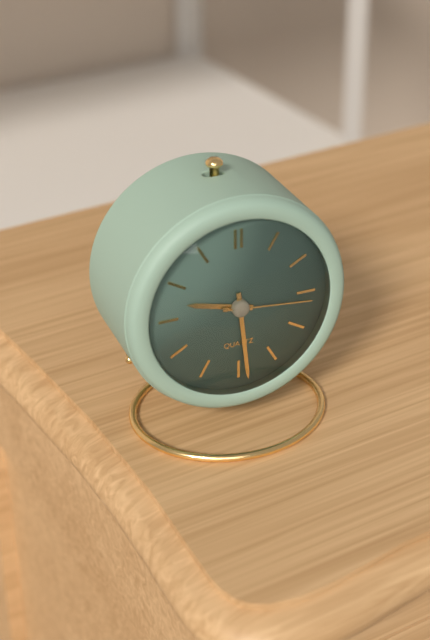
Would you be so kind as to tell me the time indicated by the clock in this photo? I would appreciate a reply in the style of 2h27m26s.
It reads 9h29m16s
